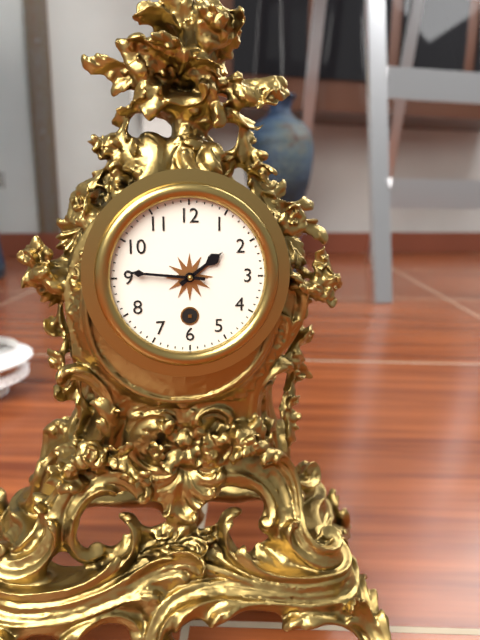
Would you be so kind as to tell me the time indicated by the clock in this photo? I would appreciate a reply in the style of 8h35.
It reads 1h46
